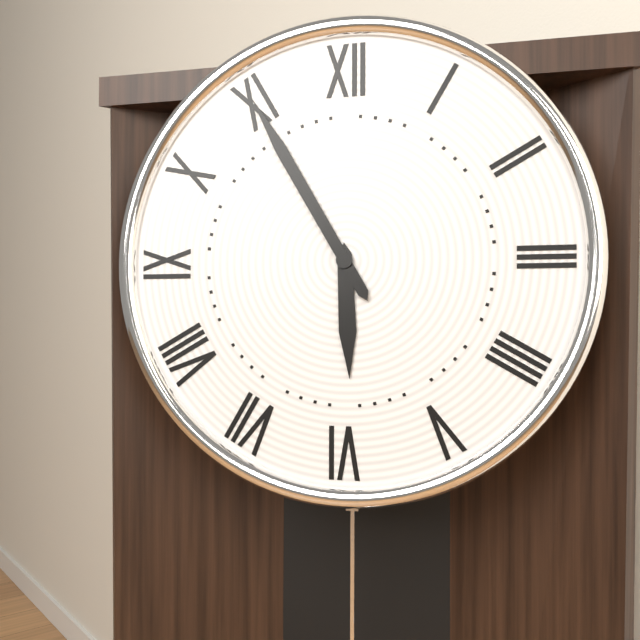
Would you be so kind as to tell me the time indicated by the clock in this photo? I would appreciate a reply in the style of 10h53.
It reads 5h55
